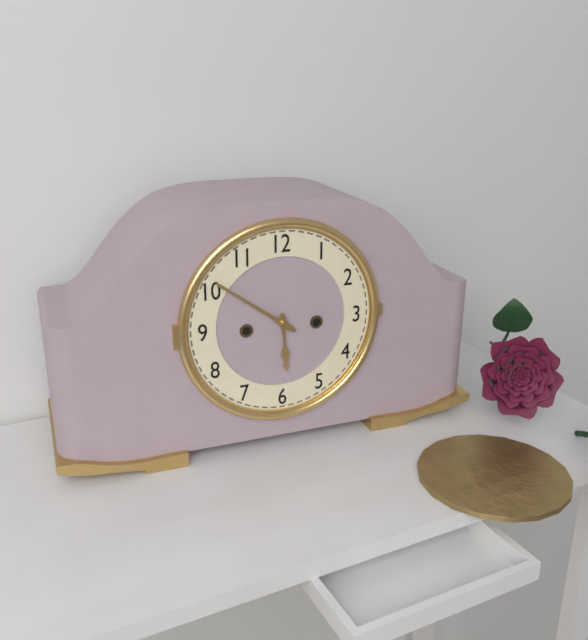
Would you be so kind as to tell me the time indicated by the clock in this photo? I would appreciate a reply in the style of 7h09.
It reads 5h51
